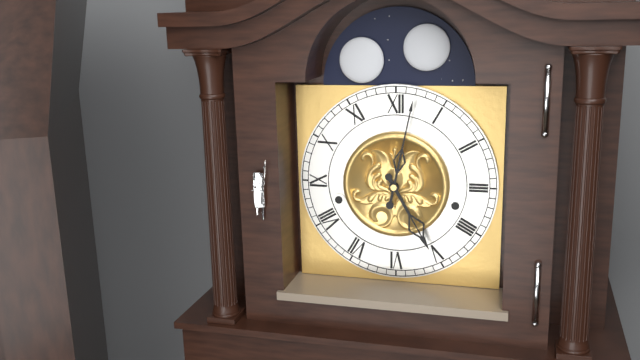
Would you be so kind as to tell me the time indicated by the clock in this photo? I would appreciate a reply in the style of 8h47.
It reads 5h02
